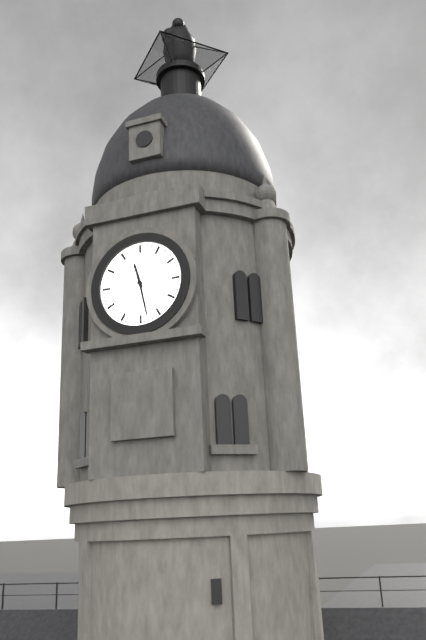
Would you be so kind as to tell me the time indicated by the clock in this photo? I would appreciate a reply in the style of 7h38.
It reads 11h28
